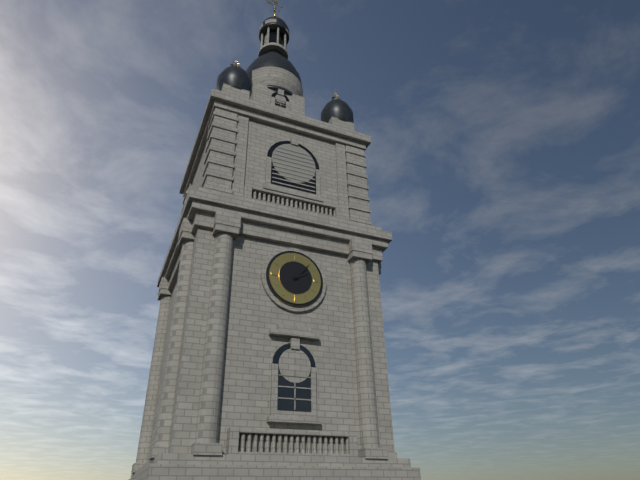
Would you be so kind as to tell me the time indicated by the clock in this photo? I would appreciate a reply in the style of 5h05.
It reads 2h07
